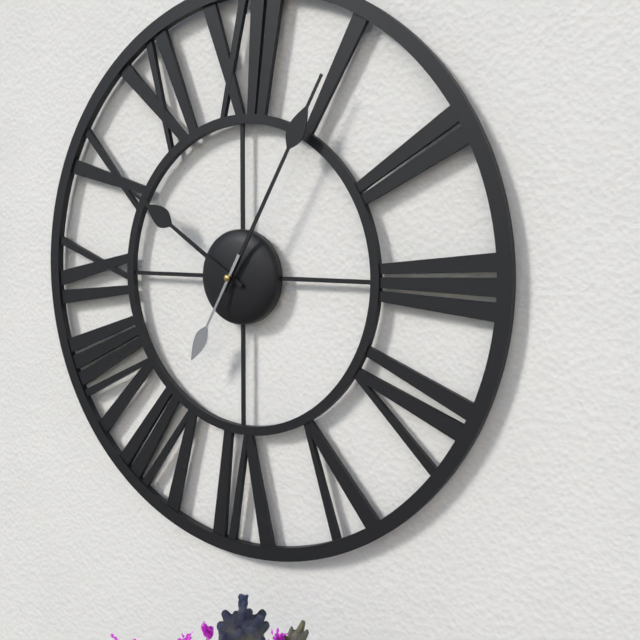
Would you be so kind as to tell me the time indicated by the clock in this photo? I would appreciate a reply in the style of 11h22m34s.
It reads 10h05m35s
